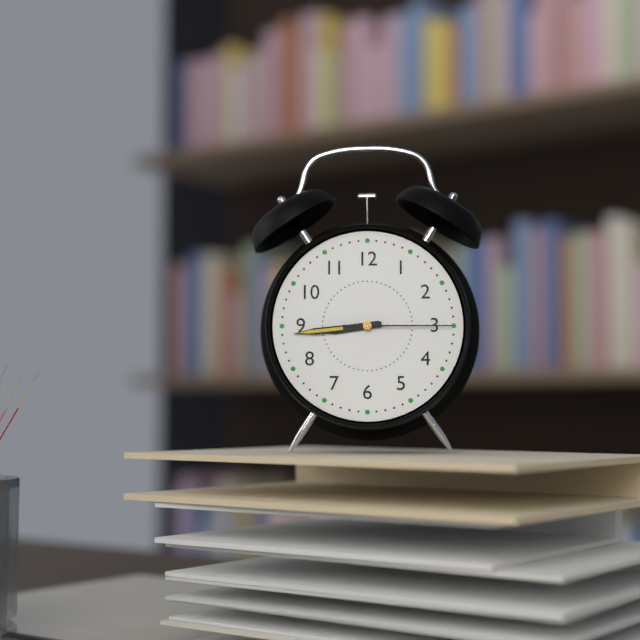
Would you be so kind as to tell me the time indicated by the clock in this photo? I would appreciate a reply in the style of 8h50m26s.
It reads 8h44m15s
